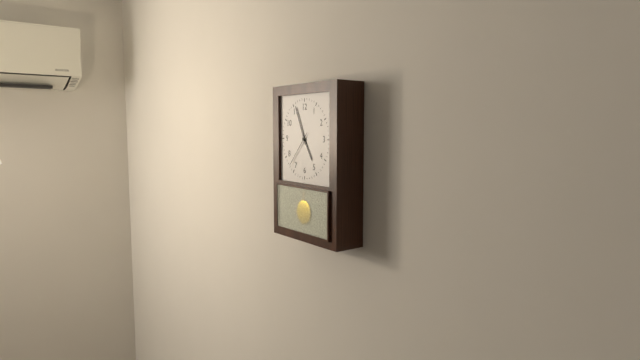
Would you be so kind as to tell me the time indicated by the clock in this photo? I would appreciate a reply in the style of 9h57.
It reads 4h56
